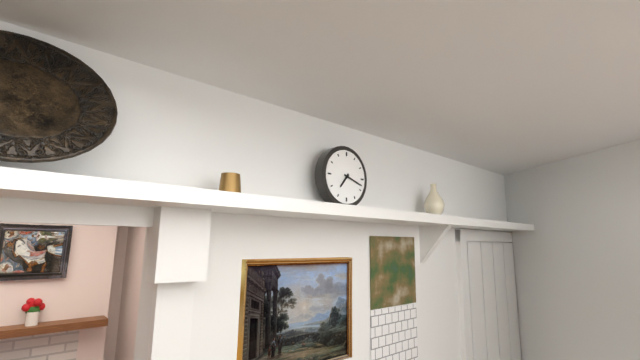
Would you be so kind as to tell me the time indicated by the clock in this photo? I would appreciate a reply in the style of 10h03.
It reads 7h18
